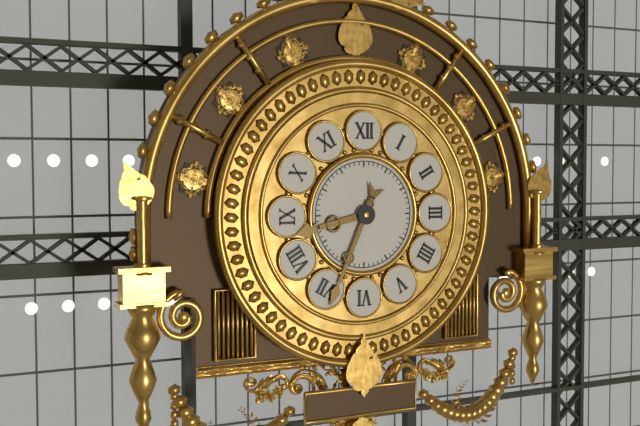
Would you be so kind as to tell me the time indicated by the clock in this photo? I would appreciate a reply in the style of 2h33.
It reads 8h34
